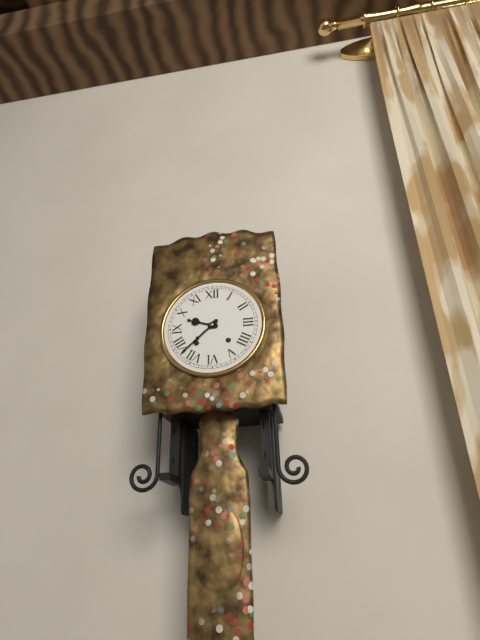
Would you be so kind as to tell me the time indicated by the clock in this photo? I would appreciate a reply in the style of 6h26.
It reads 9h38
